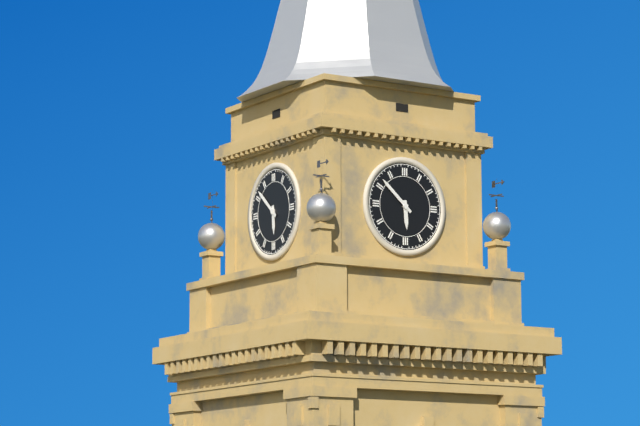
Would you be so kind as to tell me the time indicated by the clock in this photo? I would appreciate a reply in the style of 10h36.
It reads 5h52
